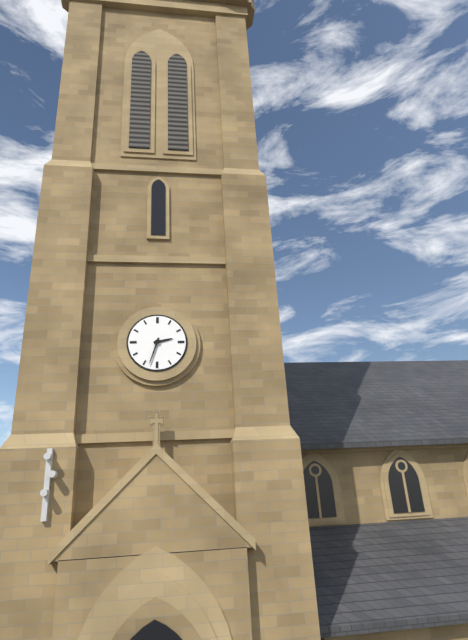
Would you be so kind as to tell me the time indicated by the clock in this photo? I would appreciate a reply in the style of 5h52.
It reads 2h33
